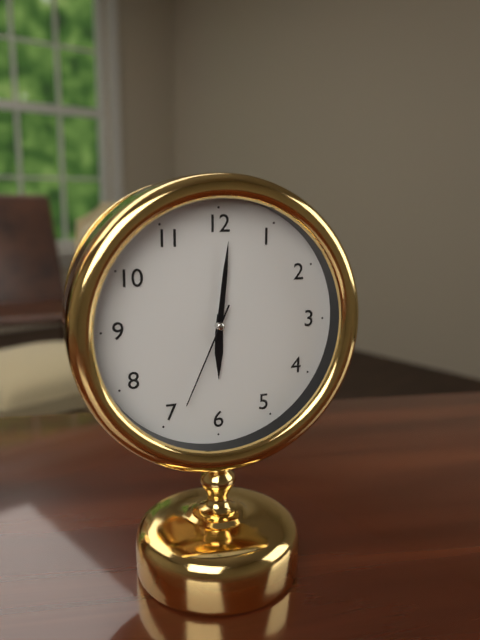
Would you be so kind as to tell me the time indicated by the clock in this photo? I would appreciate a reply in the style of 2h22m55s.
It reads 6h01m34s
